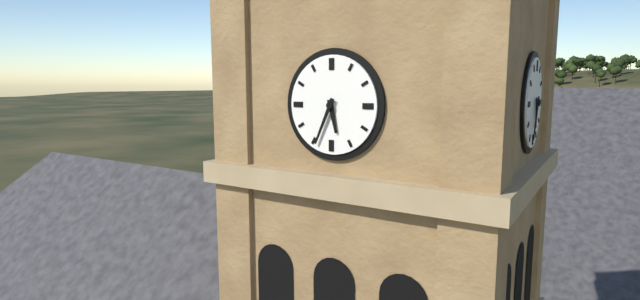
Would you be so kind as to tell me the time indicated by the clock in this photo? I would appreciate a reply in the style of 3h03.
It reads 5h34
